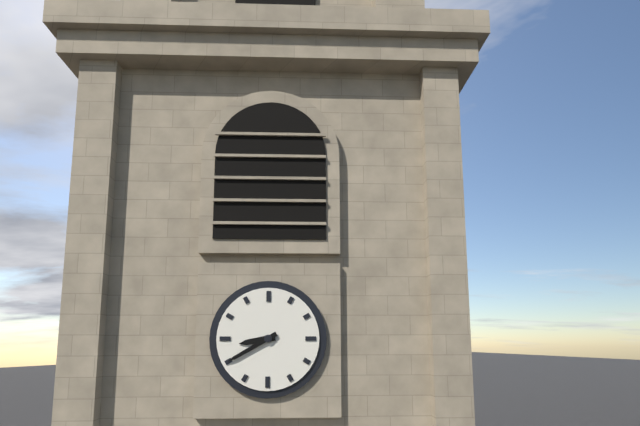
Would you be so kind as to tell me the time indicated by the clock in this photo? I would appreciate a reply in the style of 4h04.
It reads 8h40
